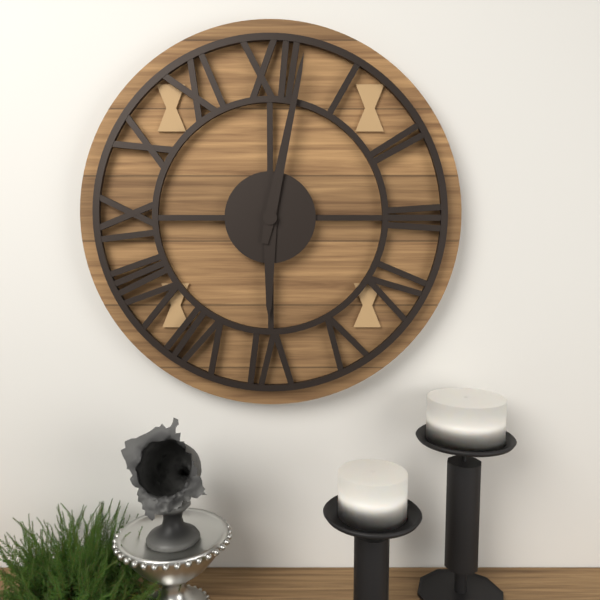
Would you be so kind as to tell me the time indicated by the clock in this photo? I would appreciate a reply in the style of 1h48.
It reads 6h02
